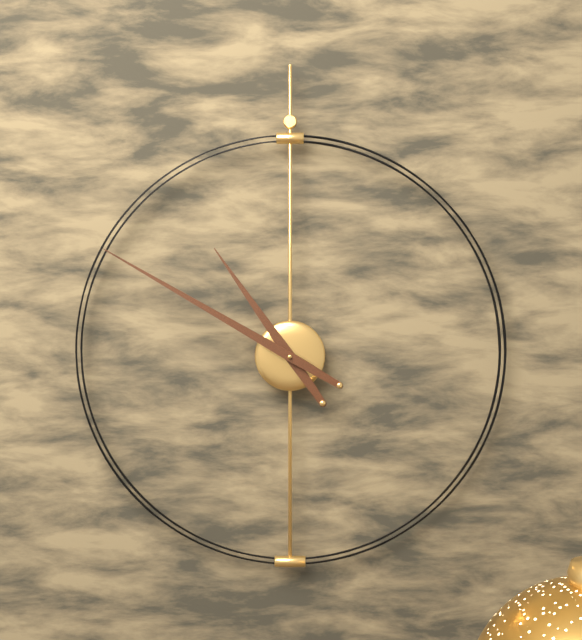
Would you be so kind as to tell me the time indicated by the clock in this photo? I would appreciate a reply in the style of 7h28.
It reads 10h50
